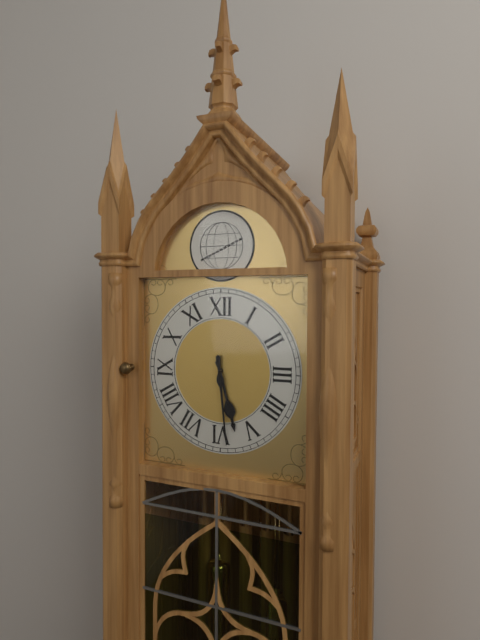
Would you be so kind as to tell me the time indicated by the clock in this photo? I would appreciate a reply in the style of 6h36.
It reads 5h29
